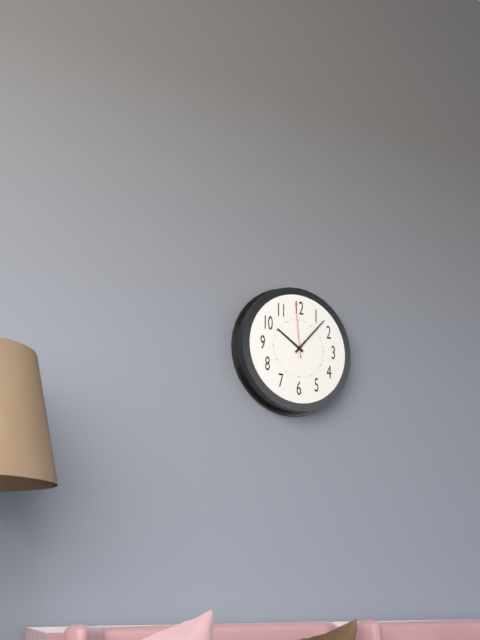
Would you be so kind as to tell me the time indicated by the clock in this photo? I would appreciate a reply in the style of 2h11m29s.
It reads 10h07m59s
